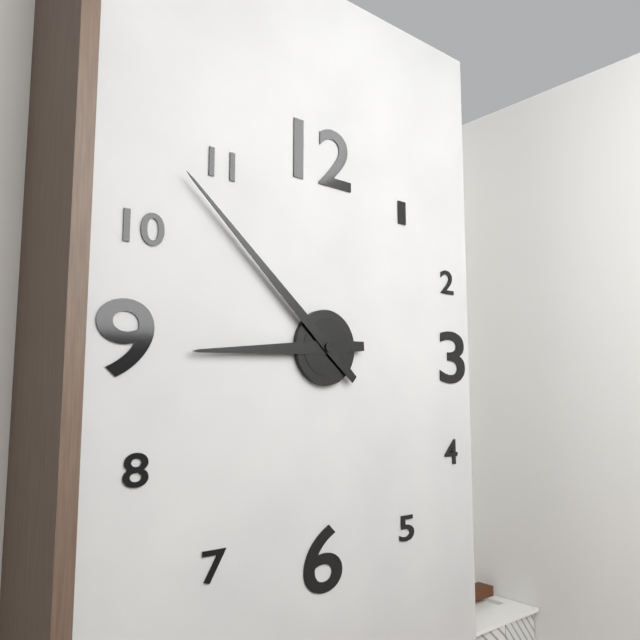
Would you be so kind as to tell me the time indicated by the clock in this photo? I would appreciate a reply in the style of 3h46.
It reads 8h52
